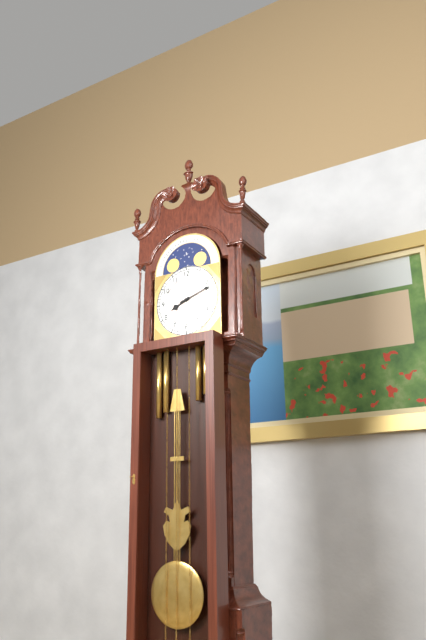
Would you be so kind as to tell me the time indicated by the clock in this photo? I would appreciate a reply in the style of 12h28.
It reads 8h12
